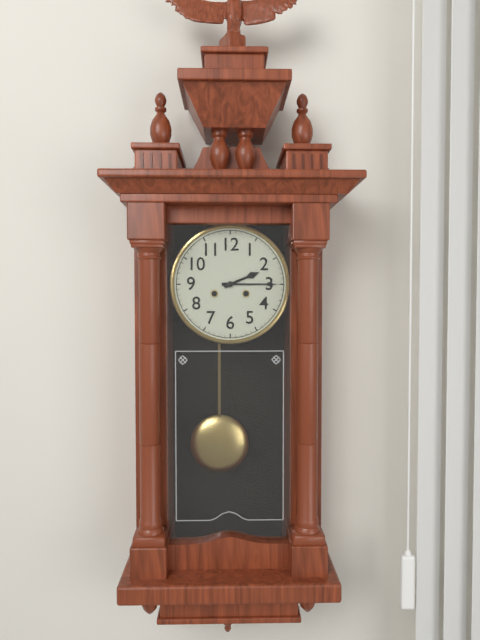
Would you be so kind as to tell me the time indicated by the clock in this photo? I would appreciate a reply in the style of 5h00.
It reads 2h15
